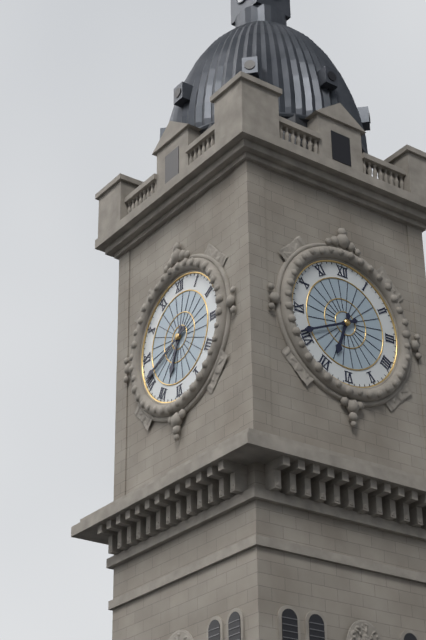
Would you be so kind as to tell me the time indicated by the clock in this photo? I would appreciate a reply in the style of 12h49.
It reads 6h41
